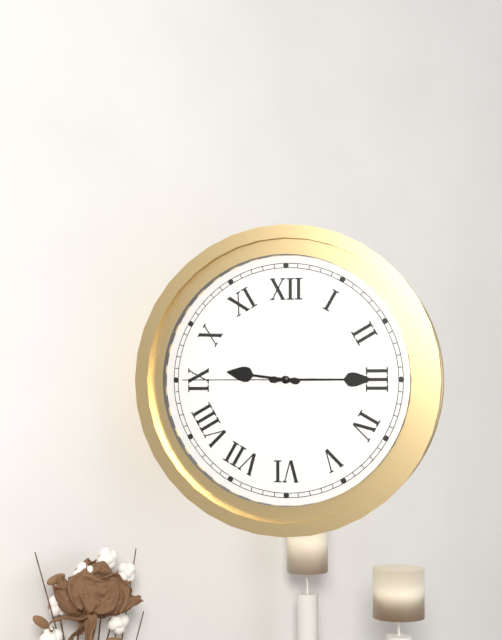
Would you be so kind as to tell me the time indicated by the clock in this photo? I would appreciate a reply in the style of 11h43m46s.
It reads 9h15m45s
